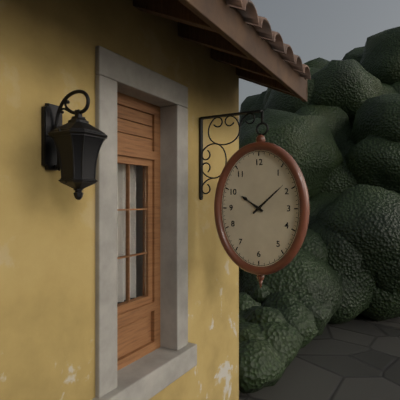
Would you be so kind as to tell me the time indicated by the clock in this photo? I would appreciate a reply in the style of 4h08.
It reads 10h08
